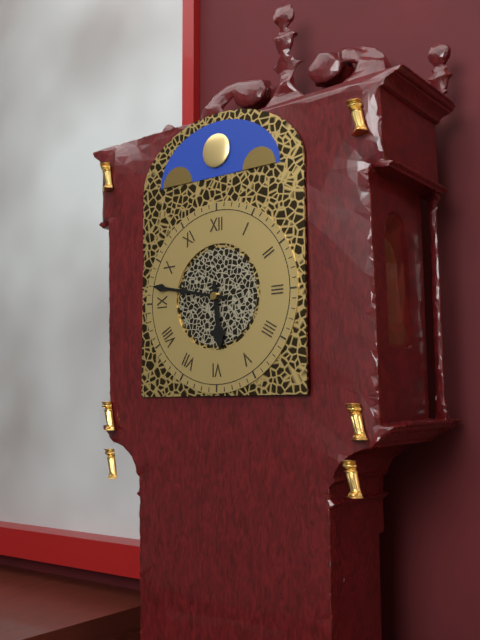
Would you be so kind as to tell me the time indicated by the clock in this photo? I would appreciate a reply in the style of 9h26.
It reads 5h47
